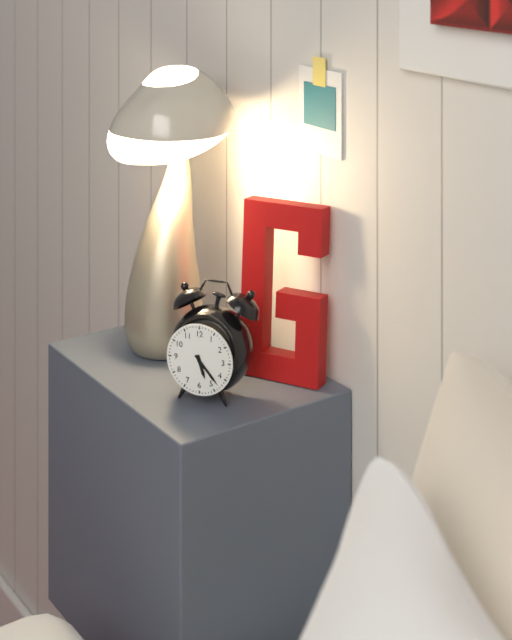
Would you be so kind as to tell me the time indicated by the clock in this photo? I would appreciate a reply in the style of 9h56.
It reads 5h23
